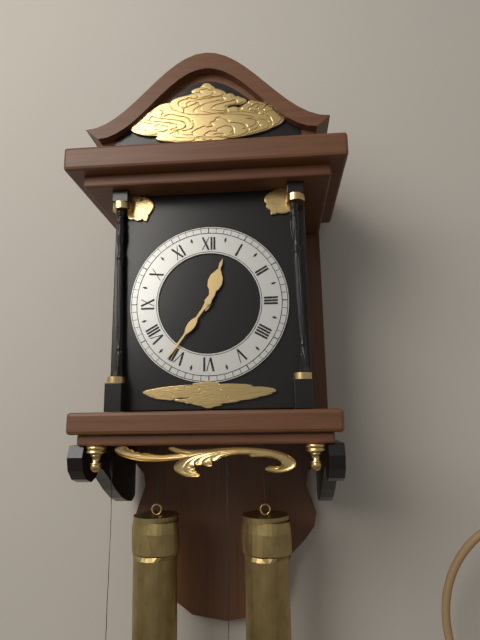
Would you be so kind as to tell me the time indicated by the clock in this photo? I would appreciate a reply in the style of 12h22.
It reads 12h36
